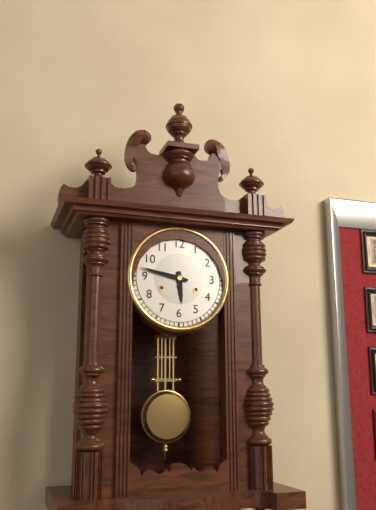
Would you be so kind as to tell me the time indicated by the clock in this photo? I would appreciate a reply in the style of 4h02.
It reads 5h47
